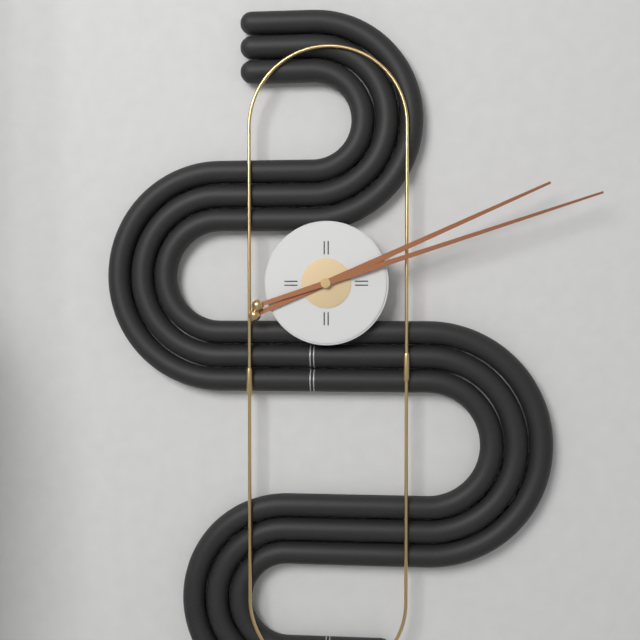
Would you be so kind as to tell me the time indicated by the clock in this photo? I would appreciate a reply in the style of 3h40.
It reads 2h12
